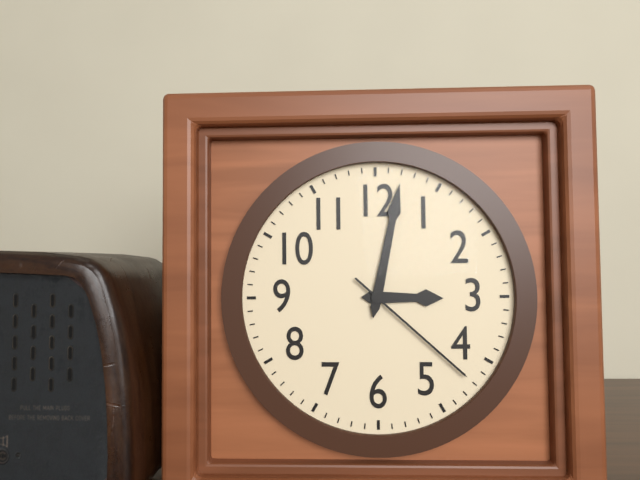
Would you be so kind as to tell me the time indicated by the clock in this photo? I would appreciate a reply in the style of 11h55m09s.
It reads 3h02m22s
